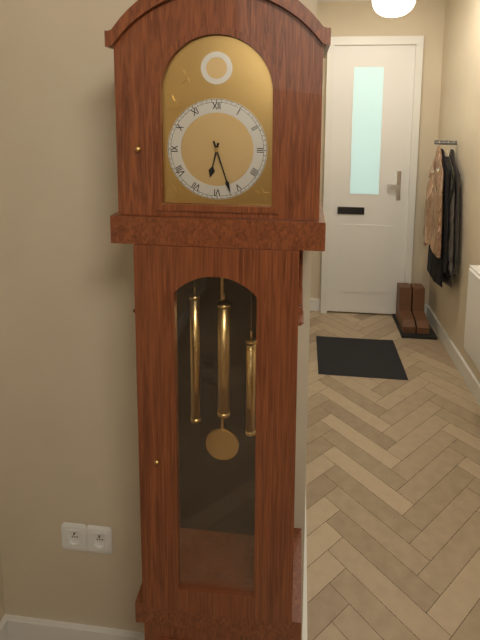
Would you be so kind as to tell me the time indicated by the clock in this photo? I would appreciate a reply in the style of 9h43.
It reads 6h27
